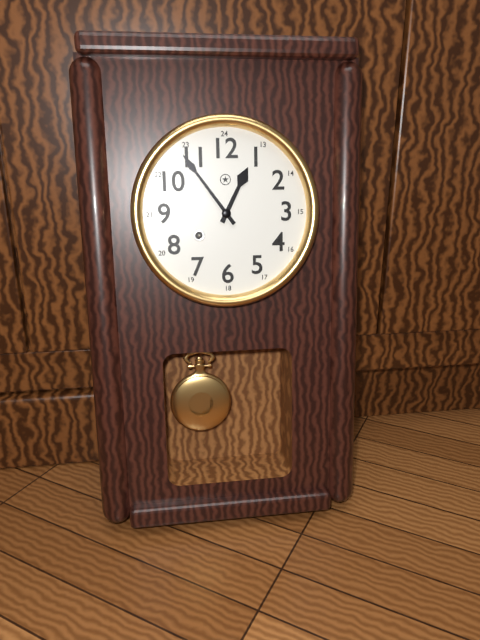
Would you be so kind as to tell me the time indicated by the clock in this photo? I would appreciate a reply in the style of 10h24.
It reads 12h54
